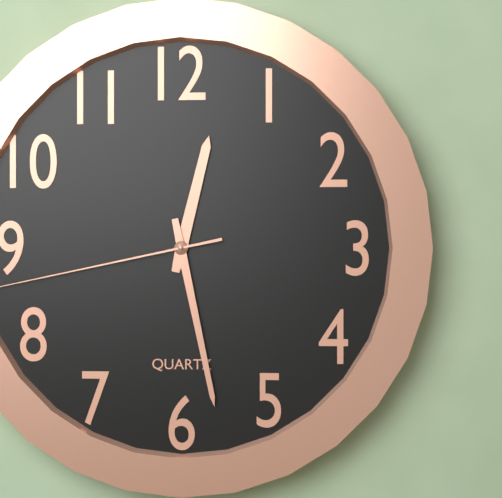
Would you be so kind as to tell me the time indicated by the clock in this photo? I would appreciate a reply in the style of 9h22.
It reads 12h28
